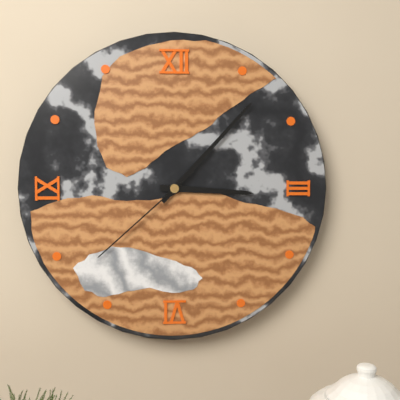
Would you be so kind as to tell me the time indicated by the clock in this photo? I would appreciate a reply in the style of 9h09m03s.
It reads 3h07m38s
